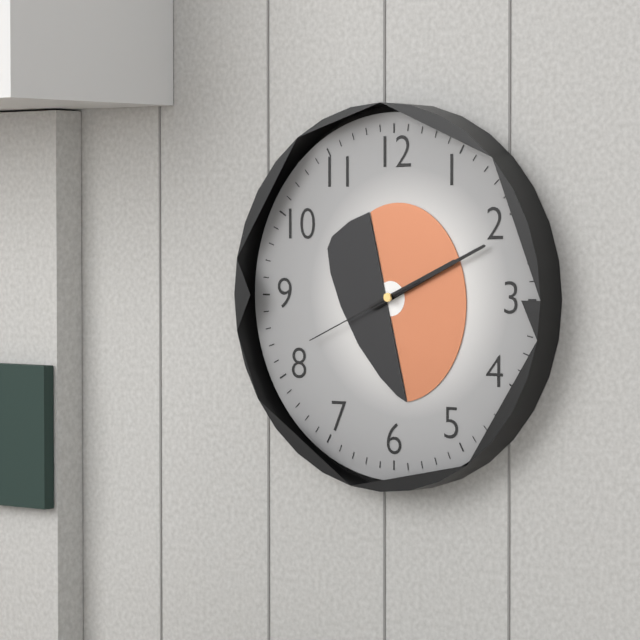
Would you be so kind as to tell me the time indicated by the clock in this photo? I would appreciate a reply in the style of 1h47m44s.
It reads 2h11m41s
